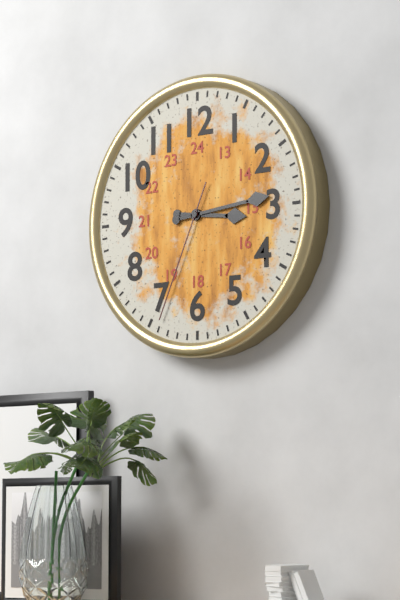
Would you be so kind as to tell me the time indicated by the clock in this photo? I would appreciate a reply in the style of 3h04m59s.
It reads 3h14m34s
